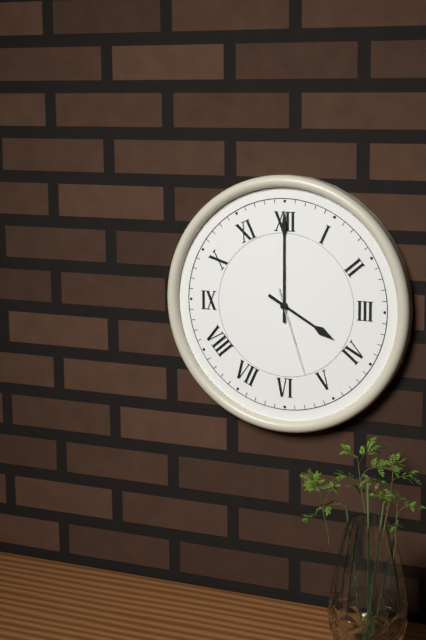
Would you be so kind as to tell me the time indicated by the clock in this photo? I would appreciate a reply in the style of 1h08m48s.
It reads 4h00m27s
